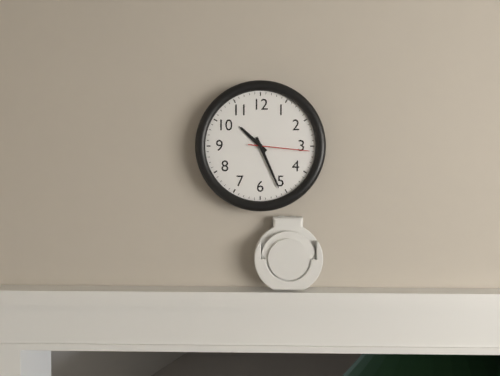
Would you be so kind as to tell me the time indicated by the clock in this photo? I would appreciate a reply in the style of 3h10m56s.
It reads 10h26m16s
